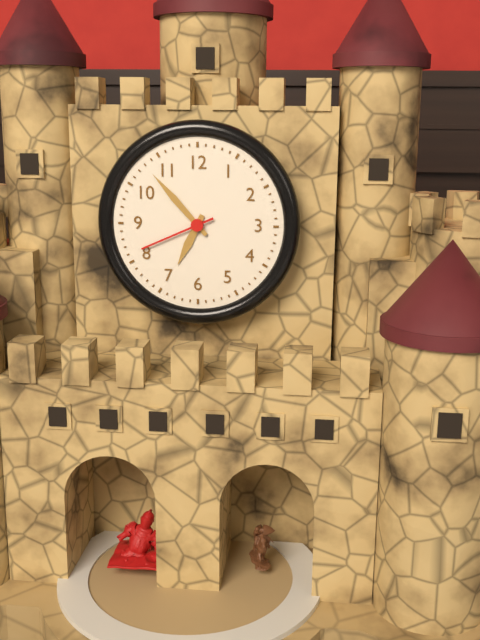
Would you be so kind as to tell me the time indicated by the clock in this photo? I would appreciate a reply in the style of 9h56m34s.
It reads 6h53m41s
